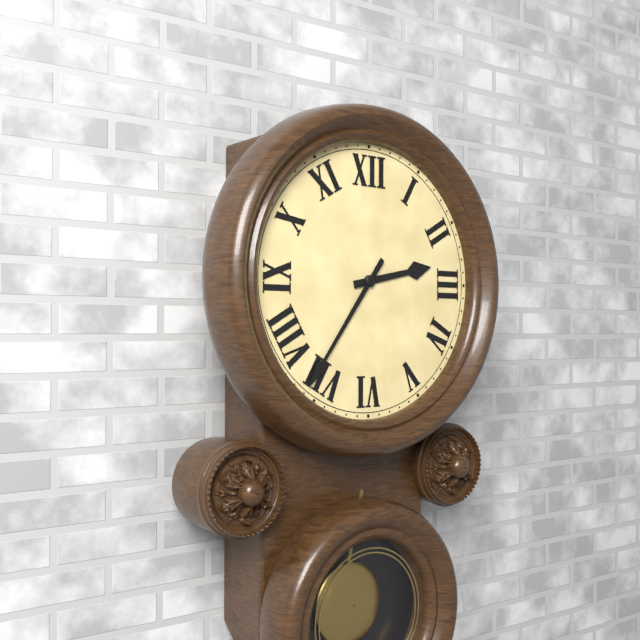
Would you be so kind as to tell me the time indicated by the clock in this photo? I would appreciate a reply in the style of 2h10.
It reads 2h36
